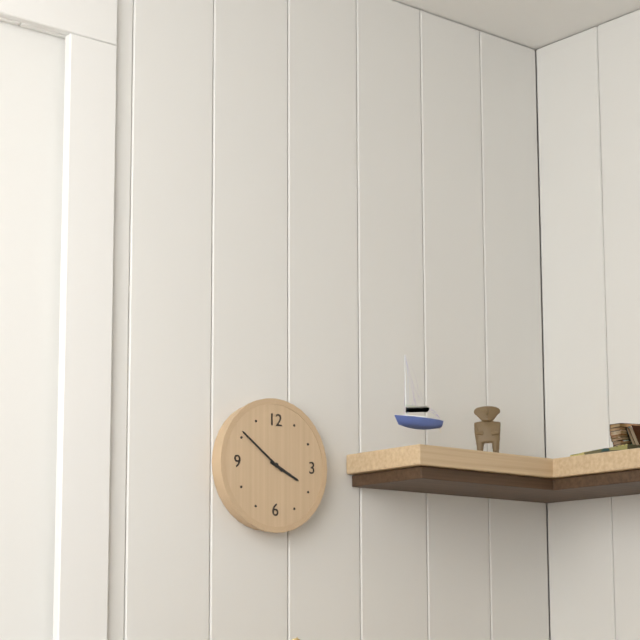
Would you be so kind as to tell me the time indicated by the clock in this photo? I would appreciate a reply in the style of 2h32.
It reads 3h51
